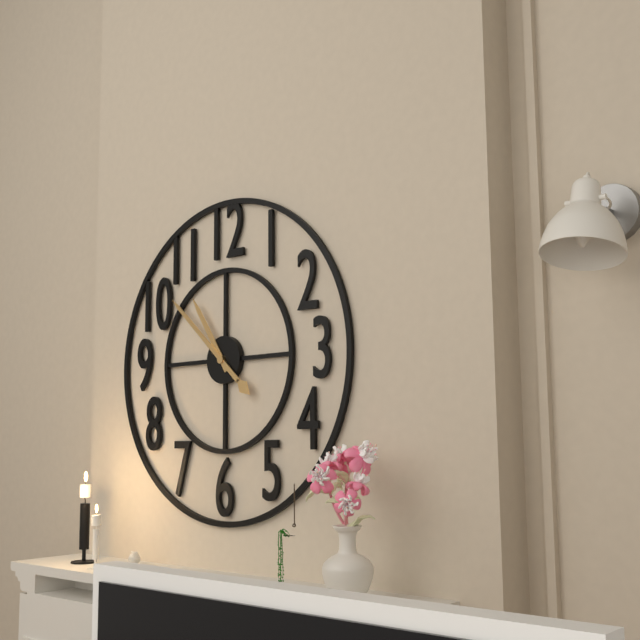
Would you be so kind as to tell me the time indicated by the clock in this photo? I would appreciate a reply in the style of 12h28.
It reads 10h52
